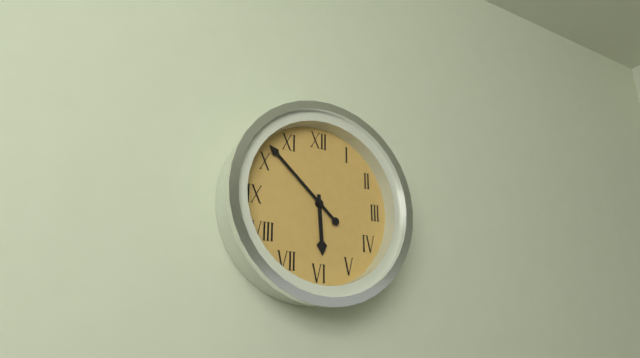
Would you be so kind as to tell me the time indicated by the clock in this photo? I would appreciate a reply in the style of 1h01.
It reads 5h52
